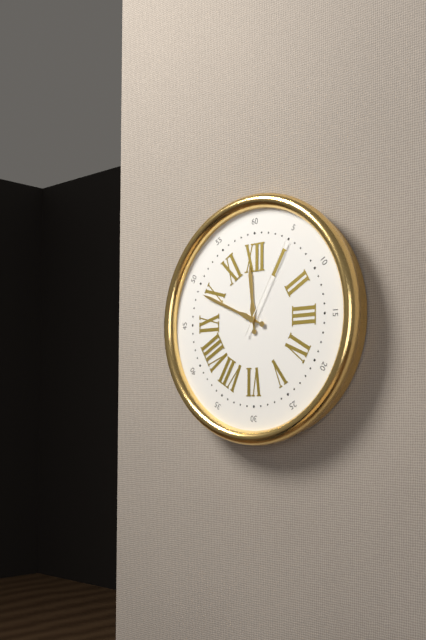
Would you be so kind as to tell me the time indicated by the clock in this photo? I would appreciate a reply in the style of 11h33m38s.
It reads 11h49m05s
